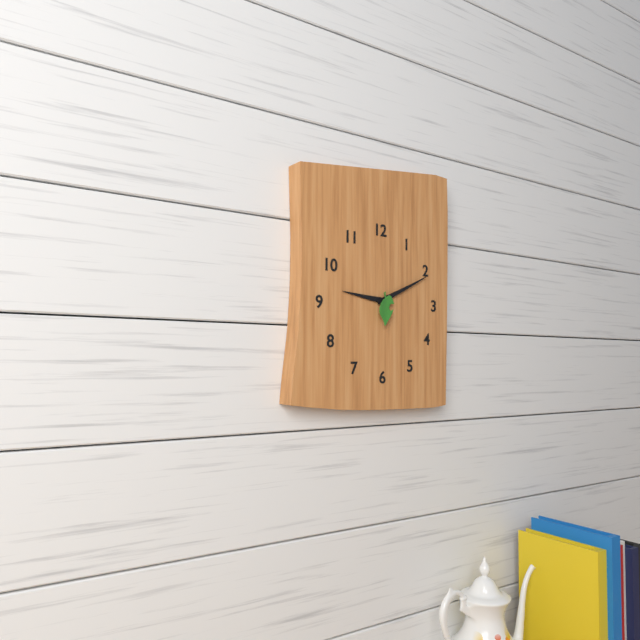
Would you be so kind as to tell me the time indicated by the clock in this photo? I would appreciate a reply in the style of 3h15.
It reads 9h11
